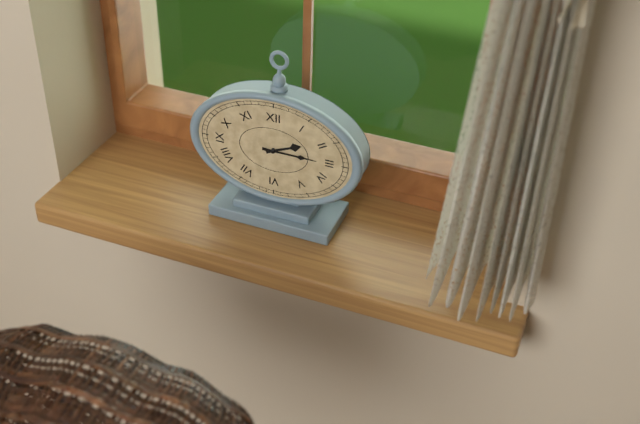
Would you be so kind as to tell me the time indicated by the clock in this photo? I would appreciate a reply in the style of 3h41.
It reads 2h15
